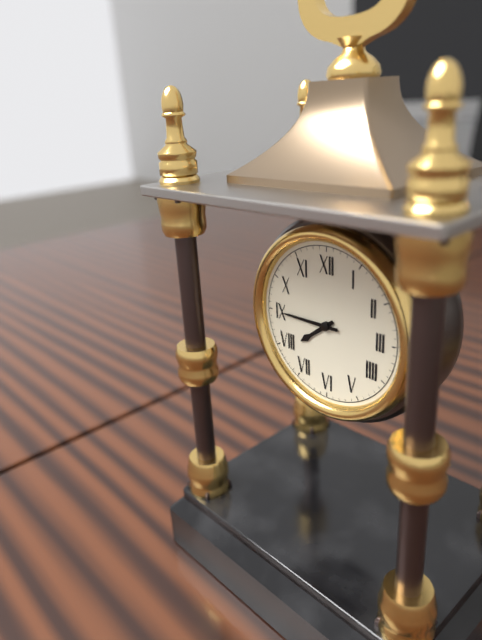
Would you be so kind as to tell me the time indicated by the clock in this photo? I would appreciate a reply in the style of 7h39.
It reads 7h45
